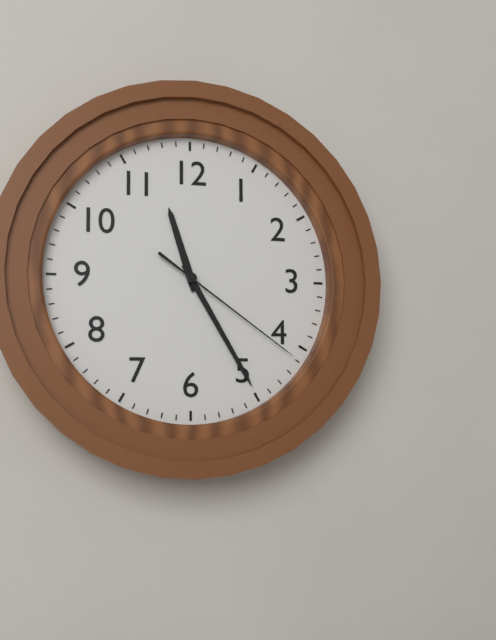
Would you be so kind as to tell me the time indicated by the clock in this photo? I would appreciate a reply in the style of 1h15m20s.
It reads 11h25m21s
